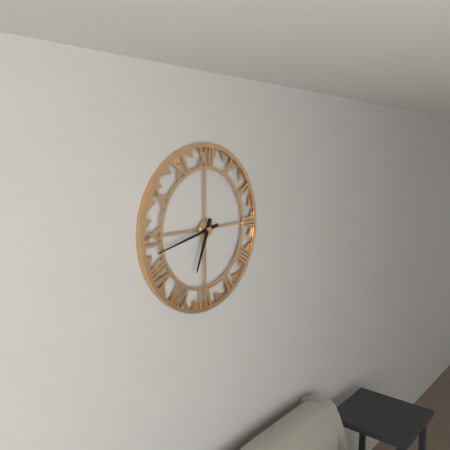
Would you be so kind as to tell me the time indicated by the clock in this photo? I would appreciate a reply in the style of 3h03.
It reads 6h43
